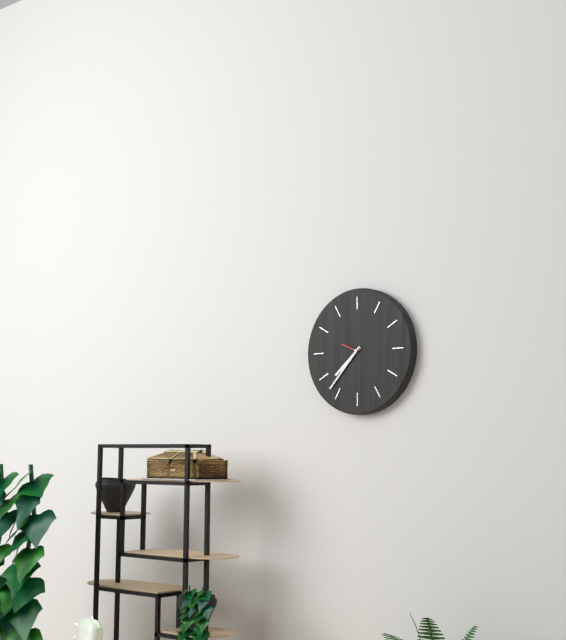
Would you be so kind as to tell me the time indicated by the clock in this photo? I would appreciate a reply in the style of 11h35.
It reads 7h37
